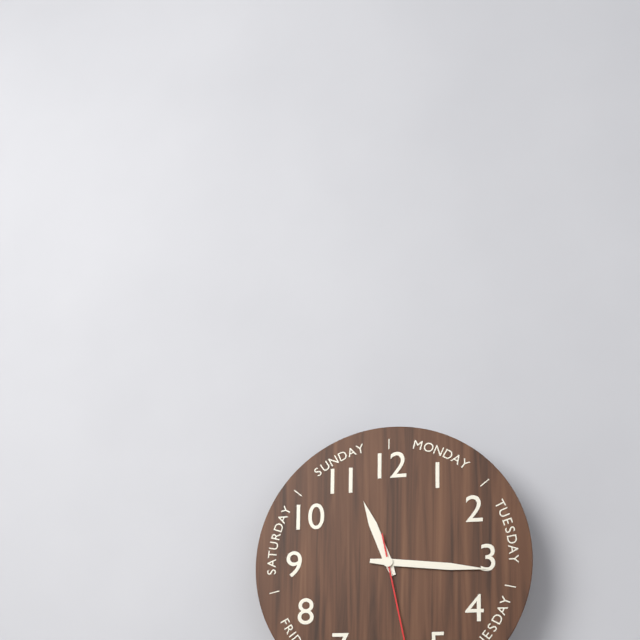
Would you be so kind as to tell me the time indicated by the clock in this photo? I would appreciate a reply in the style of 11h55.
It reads 11h16
